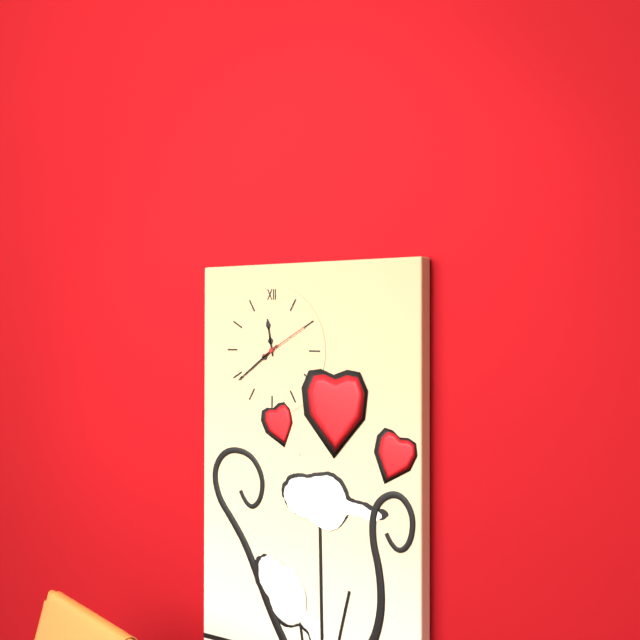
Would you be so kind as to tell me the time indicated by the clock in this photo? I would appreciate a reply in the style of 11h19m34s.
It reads 11h39m10s
